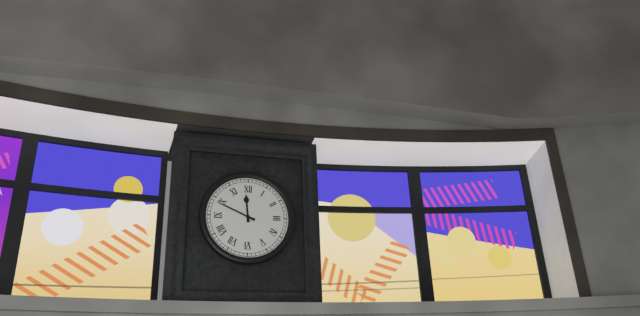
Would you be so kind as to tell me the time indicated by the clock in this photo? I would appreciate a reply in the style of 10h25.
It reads 11h49
